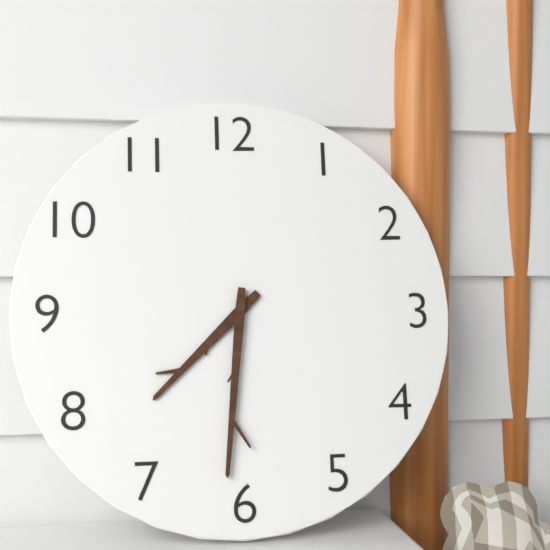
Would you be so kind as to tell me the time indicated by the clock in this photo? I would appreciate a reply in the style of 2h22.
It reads 7h31
